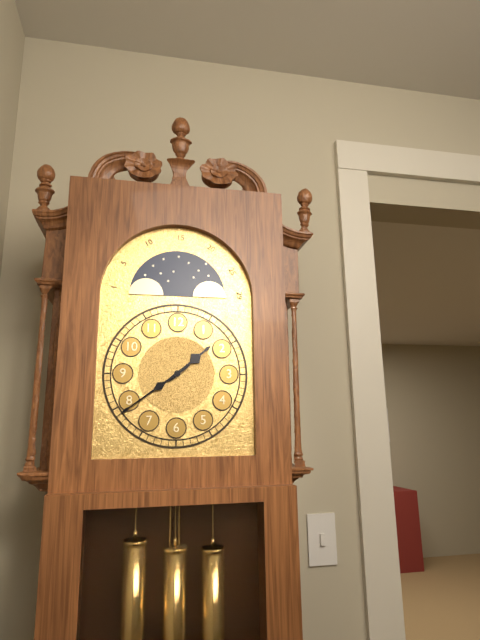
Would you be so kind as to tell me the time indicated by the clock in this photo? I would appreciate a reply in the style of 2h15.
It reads 1h39
